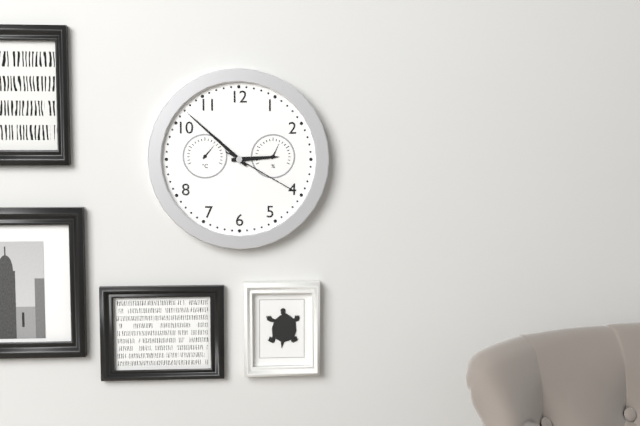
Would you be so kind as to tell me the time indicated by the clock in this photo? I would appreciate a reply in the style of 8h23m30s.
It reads 2h52m20s
